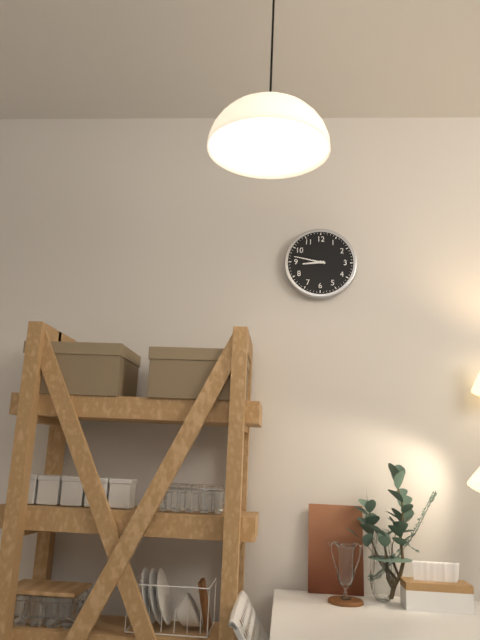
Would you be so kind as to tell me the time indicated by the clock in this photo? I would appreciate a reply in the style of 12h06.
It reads 8h47
